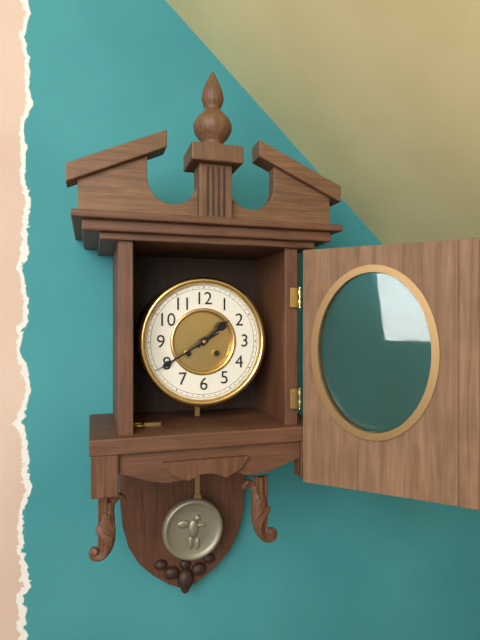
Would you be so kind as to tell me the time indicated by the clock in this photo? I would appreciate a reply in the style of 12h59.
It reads 1h40
